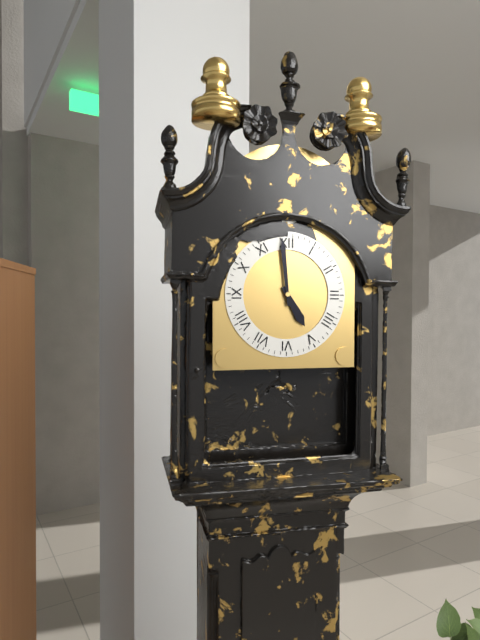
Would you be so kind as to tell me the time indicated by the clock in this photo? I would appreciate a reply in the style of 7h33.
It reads 4h59
